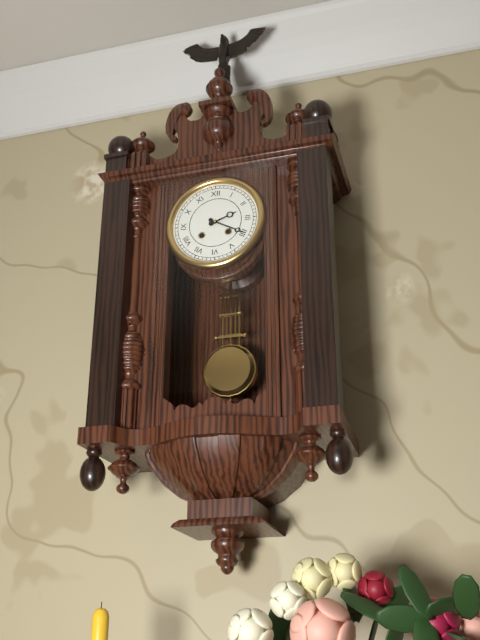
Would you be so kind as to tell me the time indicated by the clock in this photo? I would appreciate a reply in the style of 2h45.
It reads 2h20
